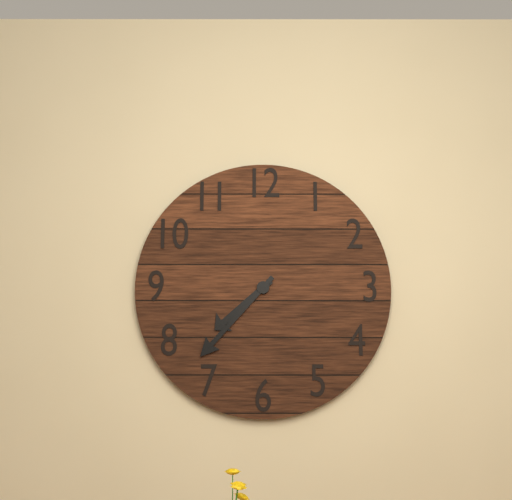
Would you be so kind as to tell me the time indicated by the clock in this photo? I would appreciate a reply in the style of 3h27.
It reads 7h37
